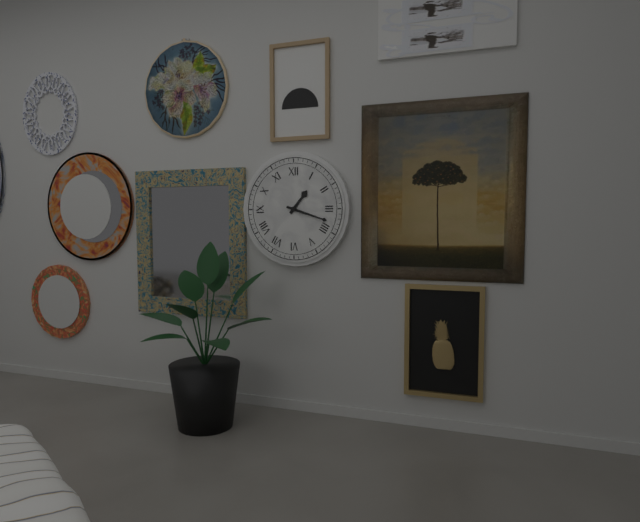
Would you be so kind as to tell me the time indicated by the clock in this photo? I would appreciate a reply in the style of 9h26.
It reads 1h18
